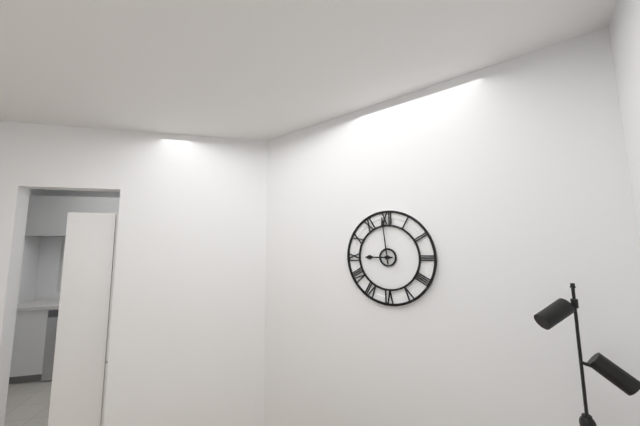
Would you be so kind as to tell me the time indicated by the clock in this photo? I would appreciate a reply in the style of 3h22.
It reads 8h59
